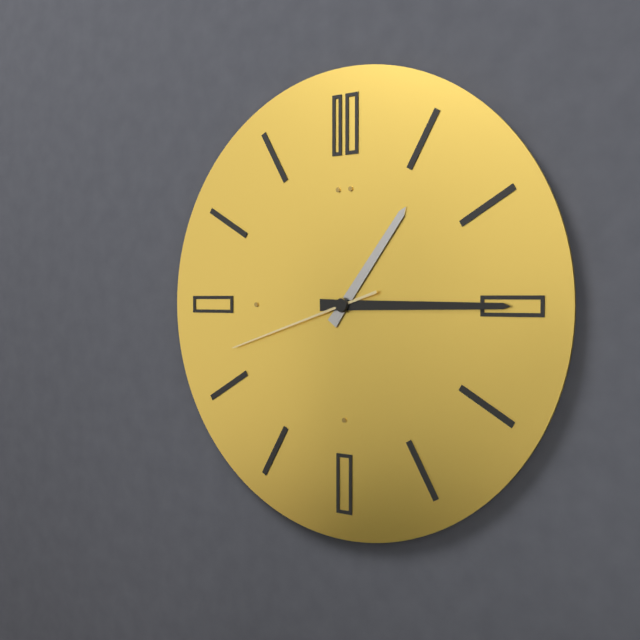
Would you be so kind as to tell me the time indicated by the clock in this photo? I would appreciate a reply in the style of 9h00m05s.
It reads 1h15m42s
